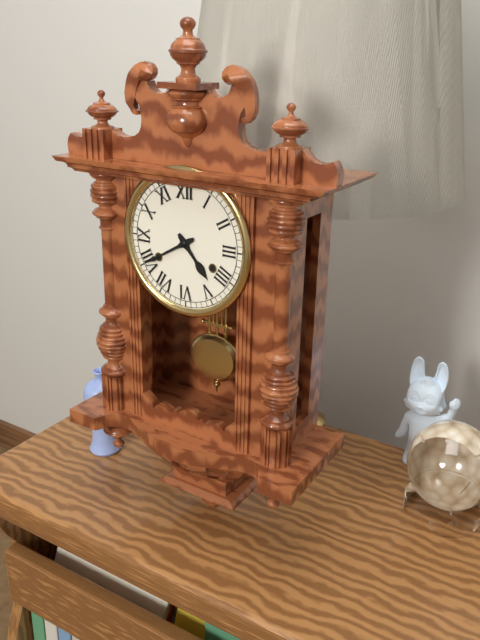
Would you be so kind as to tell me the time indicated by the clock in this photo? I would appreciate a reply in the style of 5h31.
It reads 4h40
